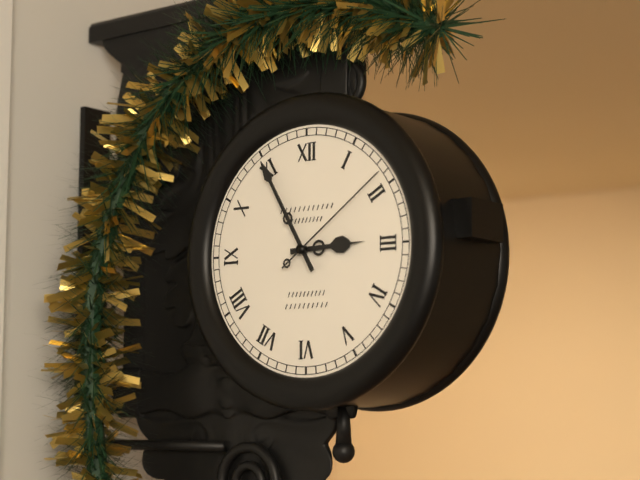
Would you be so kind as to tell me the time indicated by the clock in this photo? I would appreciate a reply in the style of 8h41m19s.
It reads 2h55m09s
